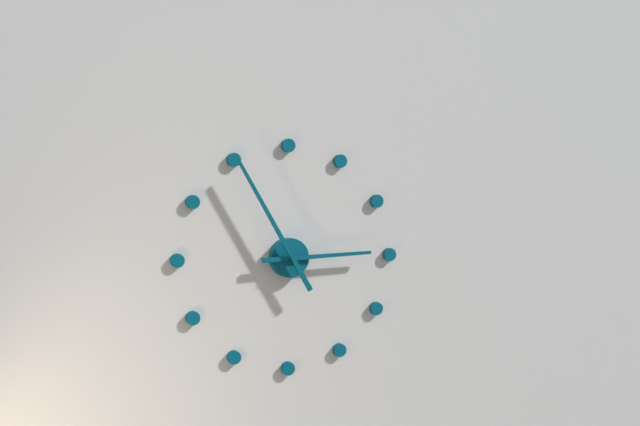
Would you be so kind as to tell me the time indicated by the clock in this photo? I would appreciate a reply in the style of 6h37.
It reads 2h55
